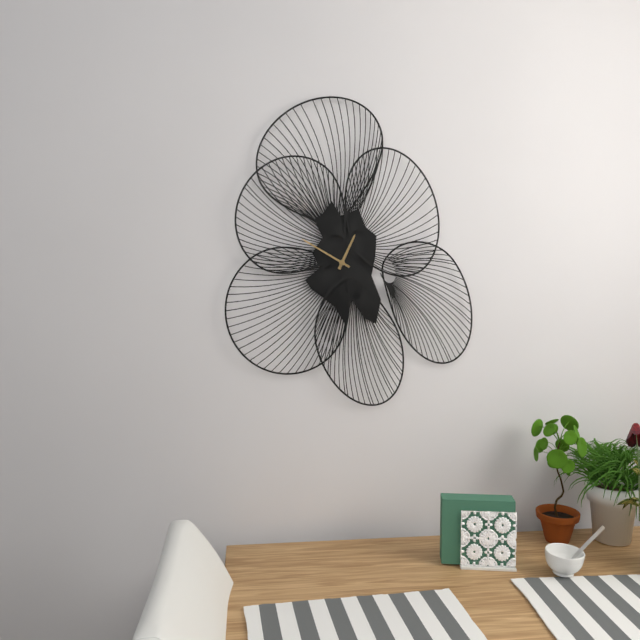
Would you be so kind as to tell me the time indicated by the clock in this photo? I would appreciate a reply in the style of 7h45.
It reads 12h50
